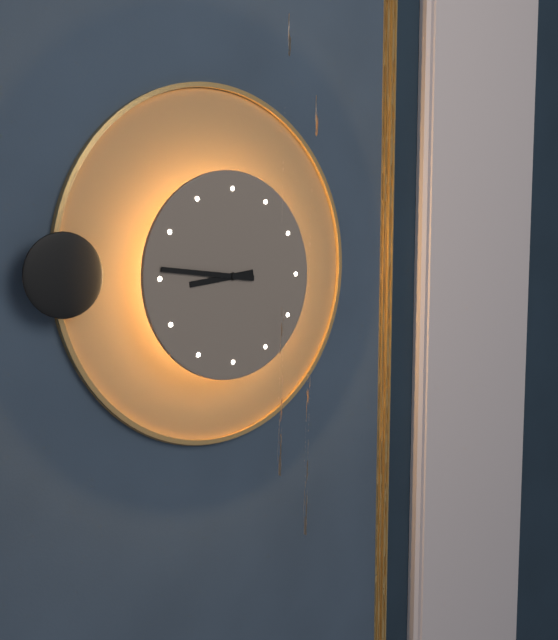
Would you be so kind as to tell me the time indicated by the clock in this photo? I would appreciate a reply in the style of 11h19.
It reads 8h46
